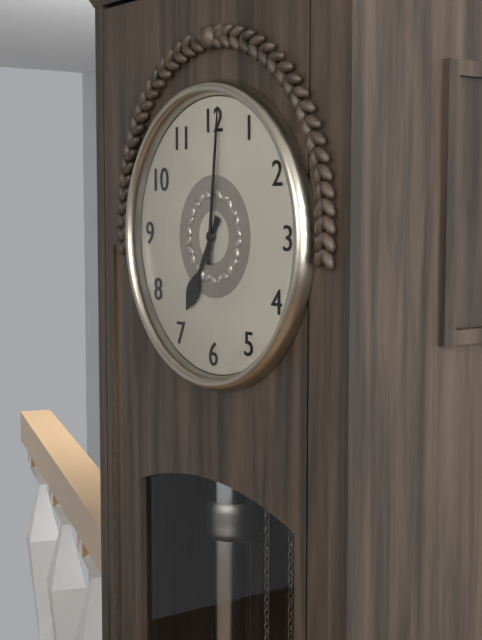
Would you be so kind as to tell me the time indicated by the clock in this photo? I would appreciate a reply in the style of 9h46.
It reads 7h01
